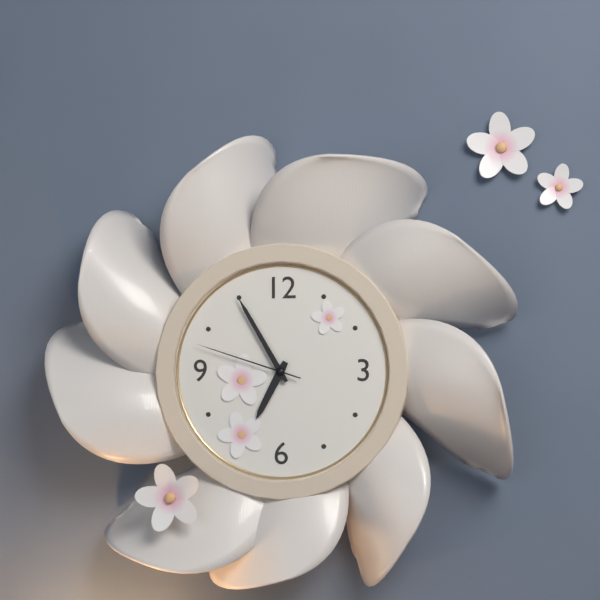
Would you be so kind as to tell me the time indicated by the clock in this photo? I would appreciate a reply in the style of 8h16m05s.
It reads 6h55m48s
